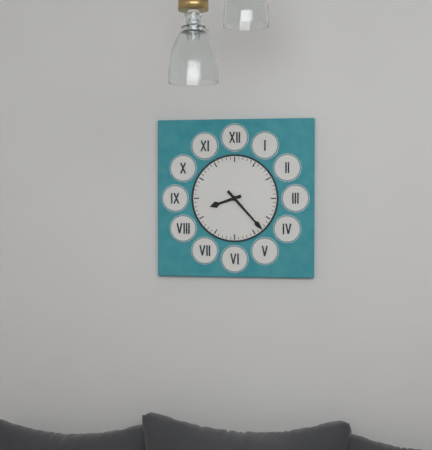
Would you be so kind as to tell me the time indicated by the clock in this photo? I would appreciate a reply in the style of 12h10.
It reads 8h23
